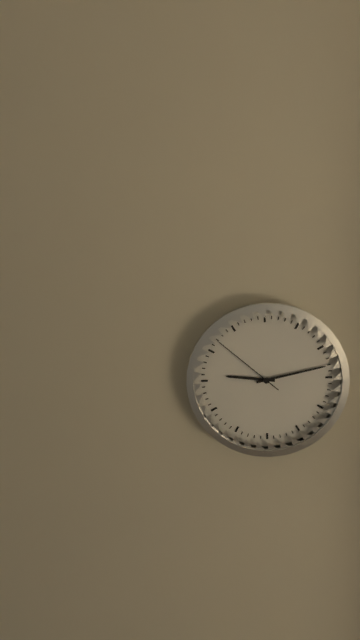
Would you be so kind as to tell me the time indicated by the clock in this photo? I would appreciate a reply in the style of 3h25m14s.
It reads 9h13m52s
